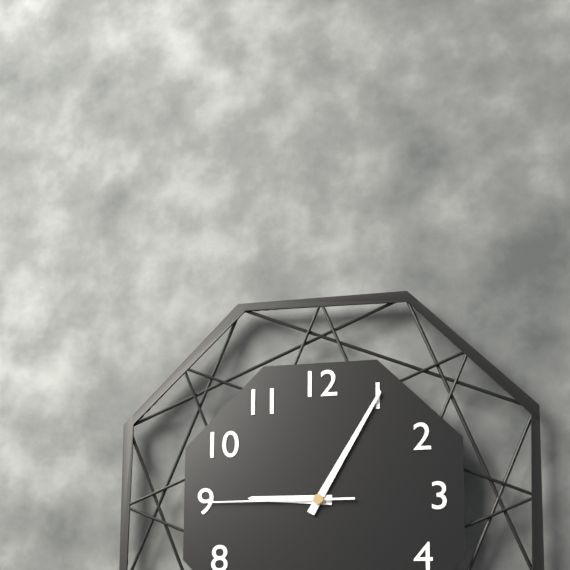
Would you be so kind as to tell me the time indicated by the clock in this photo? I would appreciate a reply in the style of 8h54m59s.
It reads 9h05m45s
